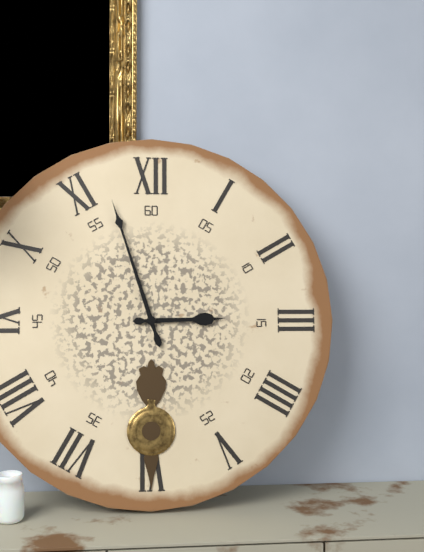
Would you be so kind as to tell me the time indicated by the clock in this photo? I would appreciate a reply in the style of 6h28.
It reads 2h57
